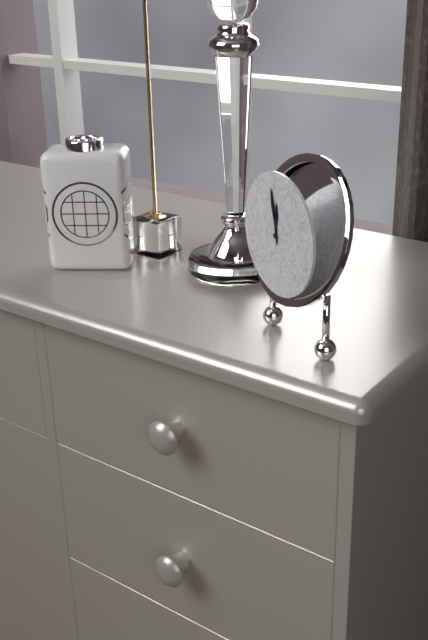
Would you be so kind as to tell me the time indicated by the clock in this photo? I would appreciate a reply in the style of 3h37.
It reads 11h58
